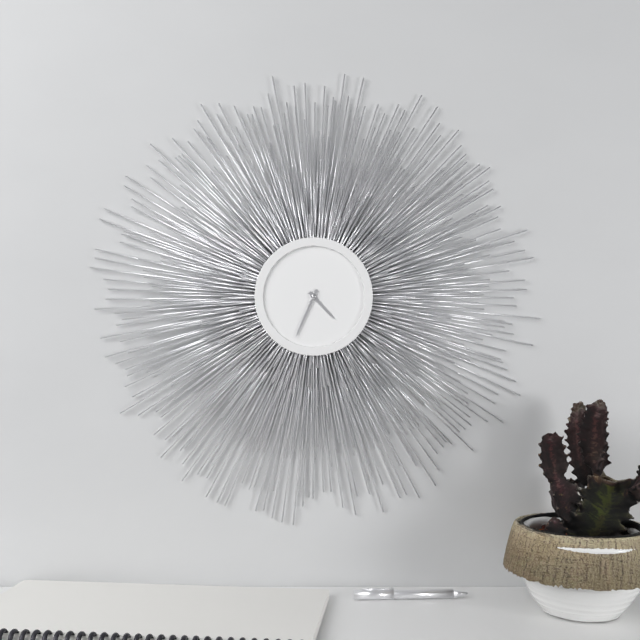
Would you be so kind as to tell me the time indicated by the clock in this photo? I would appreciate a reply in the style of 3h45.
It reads 4h34
